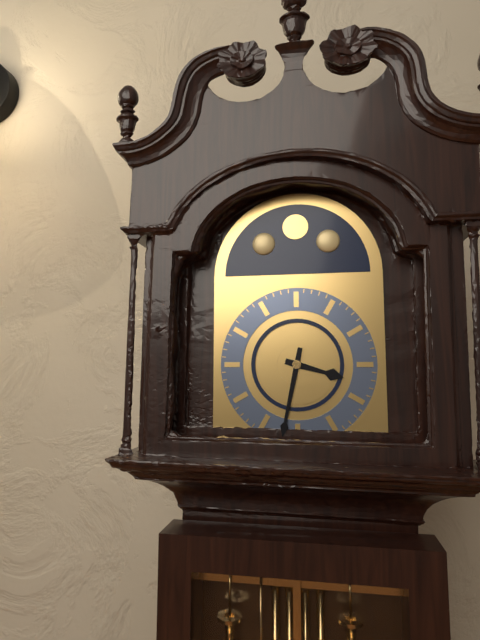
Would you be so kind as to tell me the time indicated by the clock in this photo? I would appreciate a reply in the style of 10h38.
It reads 3h32
